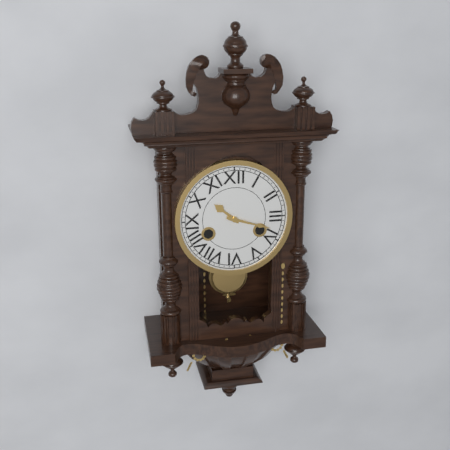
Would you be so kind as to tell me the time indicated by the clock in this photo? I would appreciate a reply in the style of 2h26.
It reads 10h18
